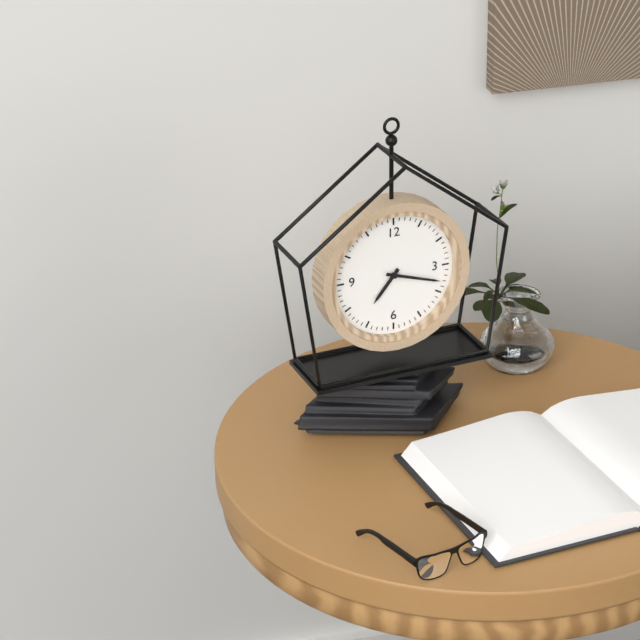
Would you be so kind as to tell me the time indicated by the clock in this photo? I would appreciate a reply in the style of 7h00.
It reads 7h18
